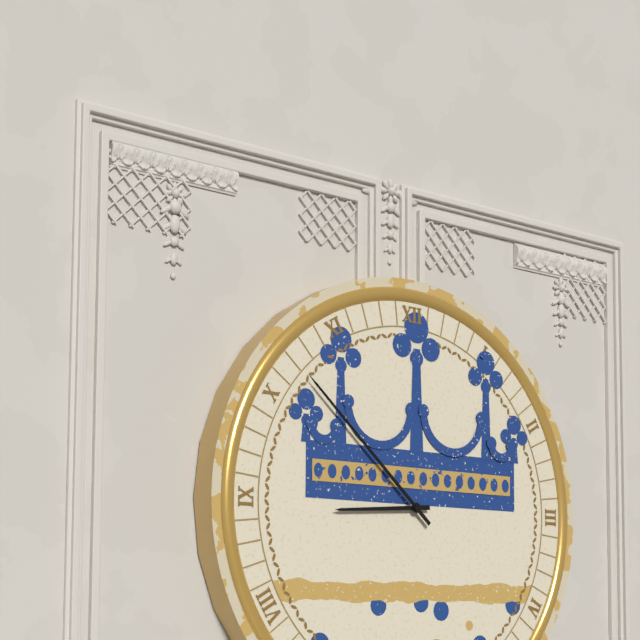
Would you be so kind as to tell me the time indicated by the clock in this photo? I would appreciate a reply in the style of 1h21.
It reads 8h52
